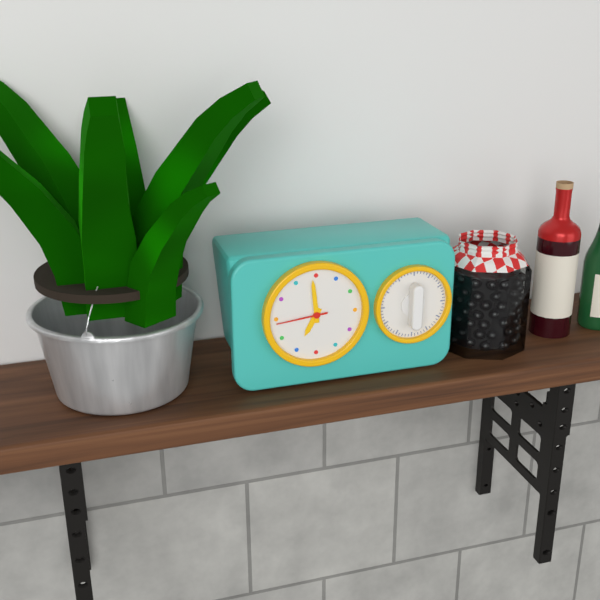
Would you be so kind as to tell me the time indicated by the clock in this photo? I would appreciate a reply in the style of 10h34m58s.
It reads 6h59m44s
